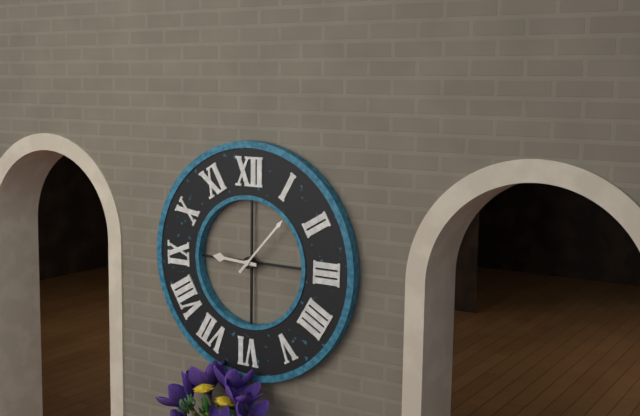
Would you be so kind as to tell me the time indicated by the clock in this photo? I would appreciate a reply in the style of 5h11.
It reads 9h07
